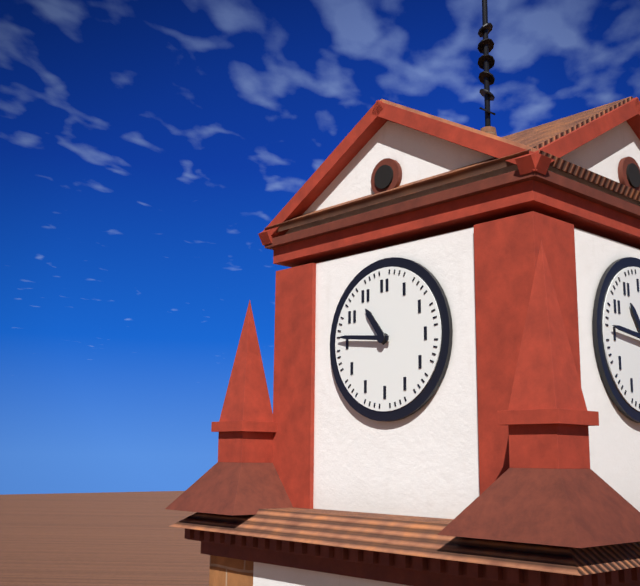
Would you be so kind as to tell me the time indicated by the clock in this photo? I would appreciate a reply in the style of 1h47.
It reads 10h46
